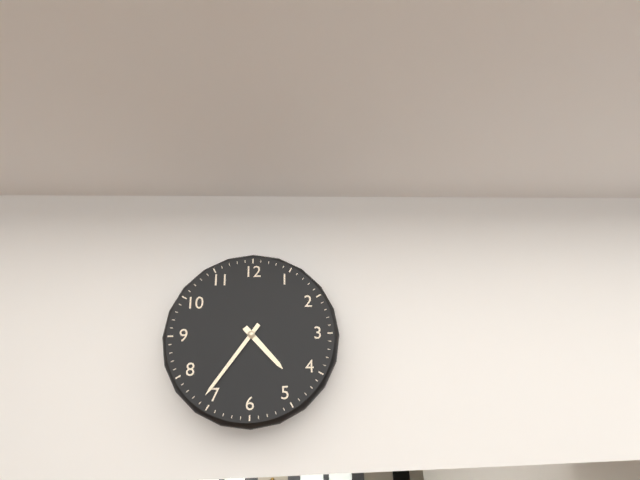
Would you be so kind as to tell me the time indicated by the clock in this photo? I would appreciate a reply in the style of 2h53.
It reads 4h36
